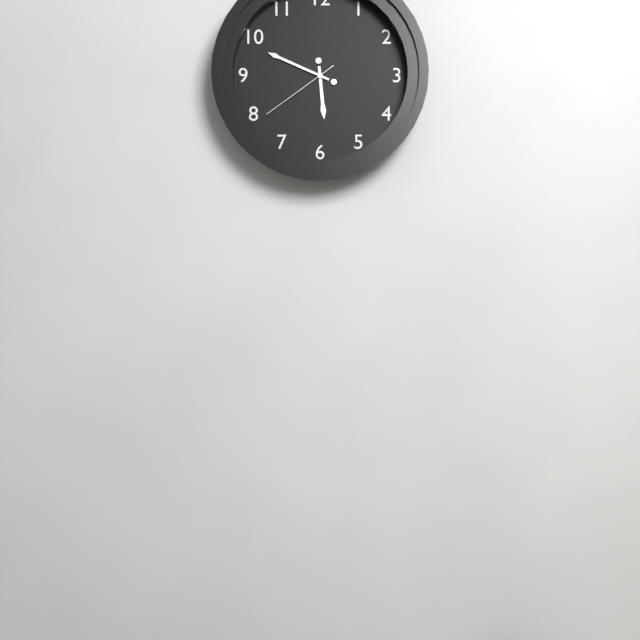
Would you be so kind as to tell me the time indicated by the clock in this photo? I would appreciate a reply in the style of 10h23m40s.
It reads 5h49m39s
